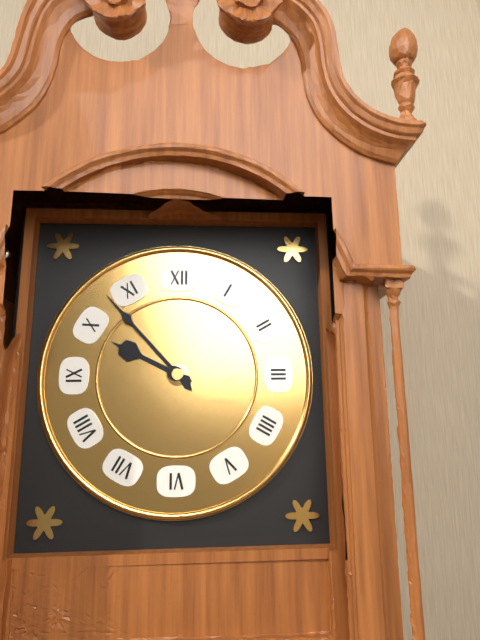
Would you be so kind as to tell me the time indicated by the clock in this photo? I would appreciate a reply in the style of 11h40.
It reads 9h53
